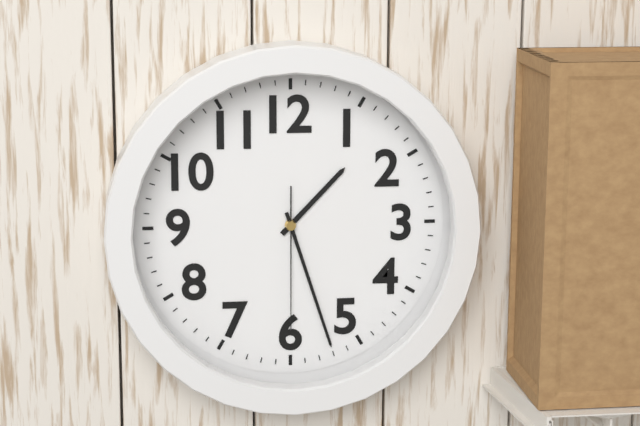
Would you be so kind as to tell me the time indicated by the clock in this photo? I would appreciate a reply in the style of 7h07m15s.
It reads 1h27m30s
